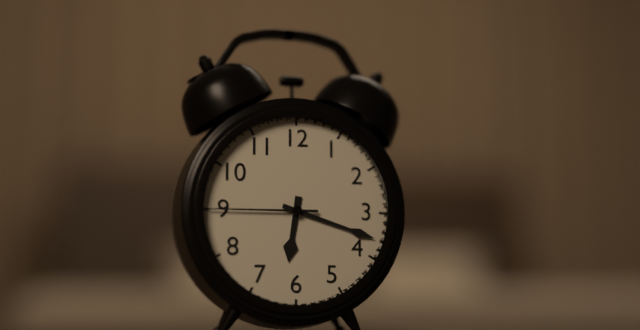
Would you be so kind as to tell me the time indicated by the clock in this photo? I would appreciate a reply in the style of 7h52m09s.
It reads 6h18m45s
